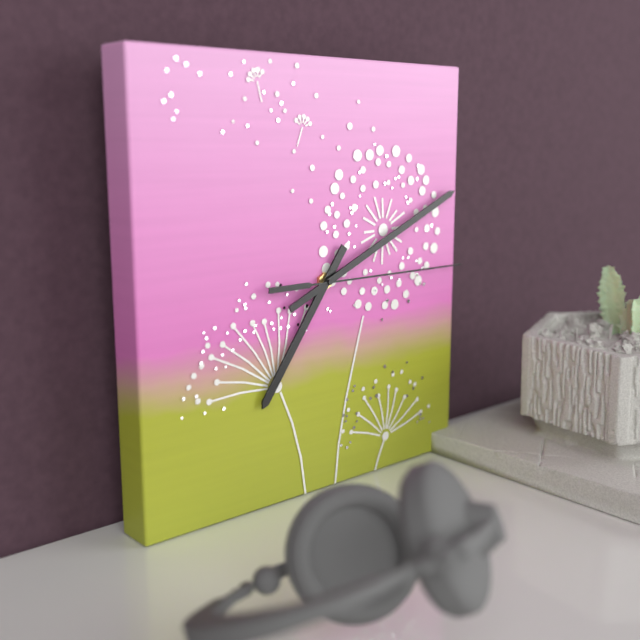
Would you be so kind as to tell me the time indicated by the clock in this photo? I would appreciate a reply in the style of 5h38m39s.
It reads 7h11m15s
